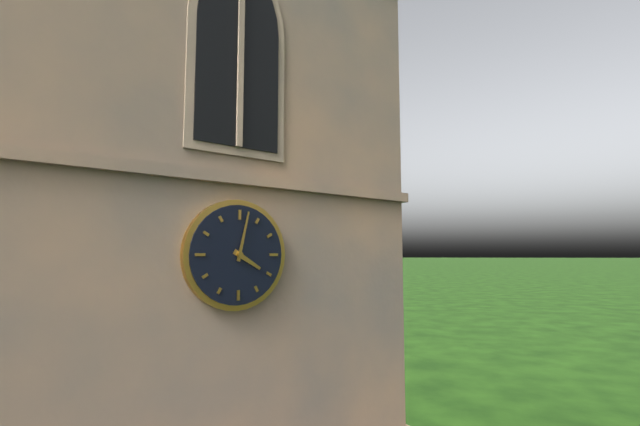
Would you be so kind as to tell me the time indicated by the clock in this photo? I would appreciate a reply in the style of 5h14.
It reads 4h02
